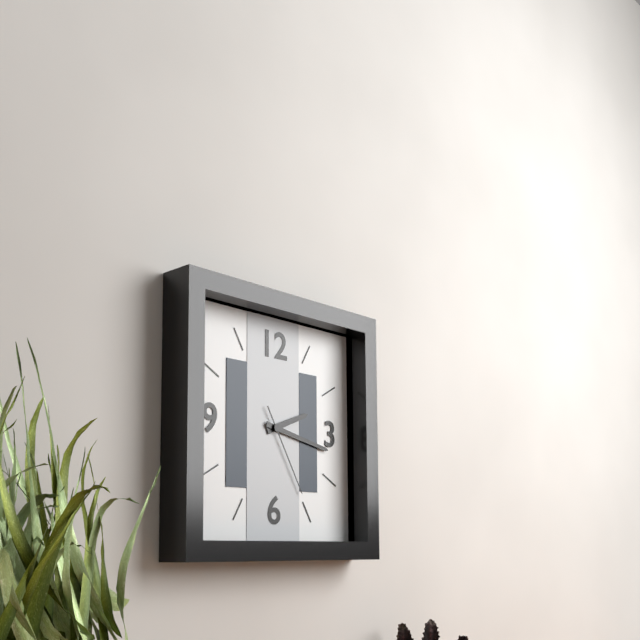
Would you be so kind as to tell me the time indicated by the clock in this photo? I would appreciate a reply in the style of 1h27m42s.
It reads 2h17m25s
